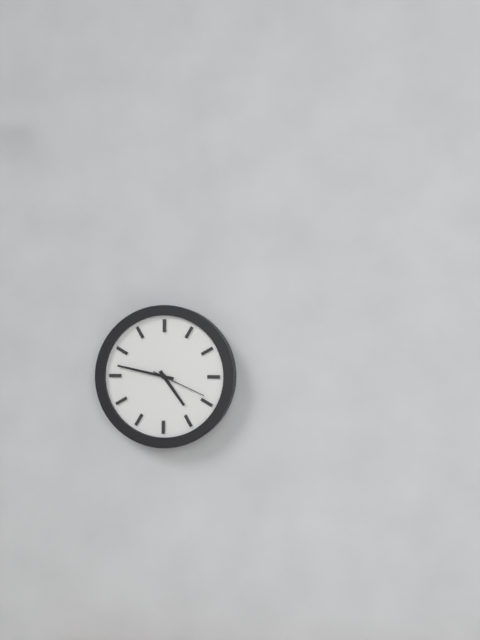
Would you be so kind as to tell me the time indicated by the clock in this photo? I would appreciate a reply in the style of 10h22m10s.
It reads 4h47m19s
